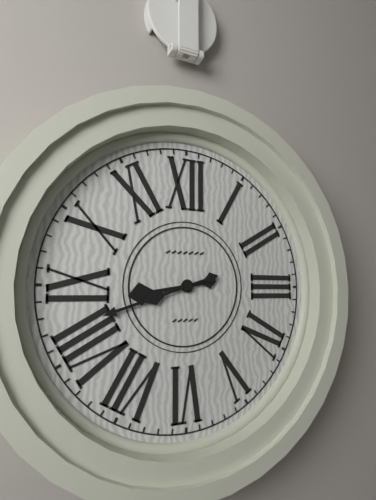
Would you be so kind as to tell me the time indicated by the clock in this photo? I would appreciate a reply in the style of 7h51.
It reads 8h42
